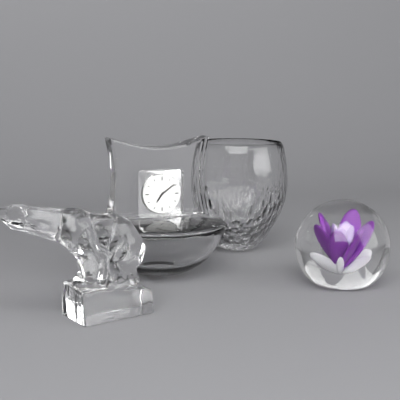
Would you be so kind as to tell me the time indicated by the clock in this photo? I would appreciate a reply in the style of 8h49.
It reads 7h09
